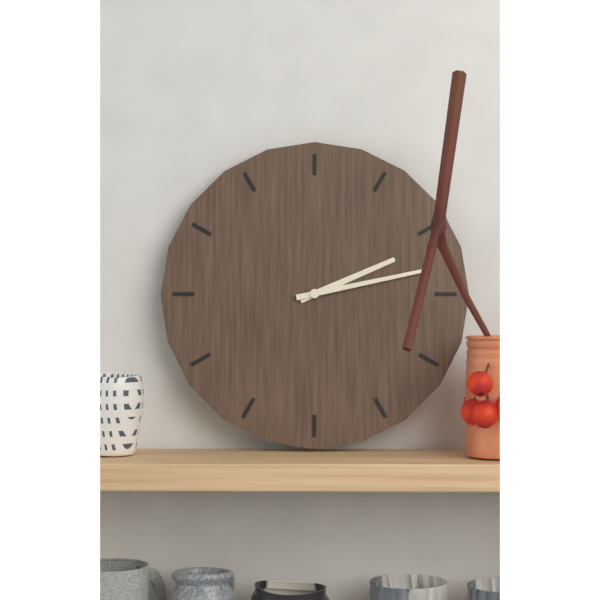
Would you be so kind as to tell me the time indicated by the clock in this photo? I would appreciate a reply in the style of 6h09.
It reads 2h13
